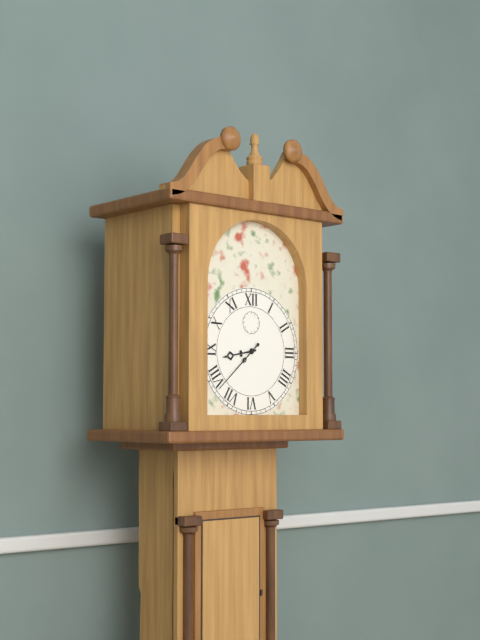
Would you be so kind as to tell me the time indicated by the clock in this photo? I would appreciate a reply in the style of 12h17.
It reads 8h38
